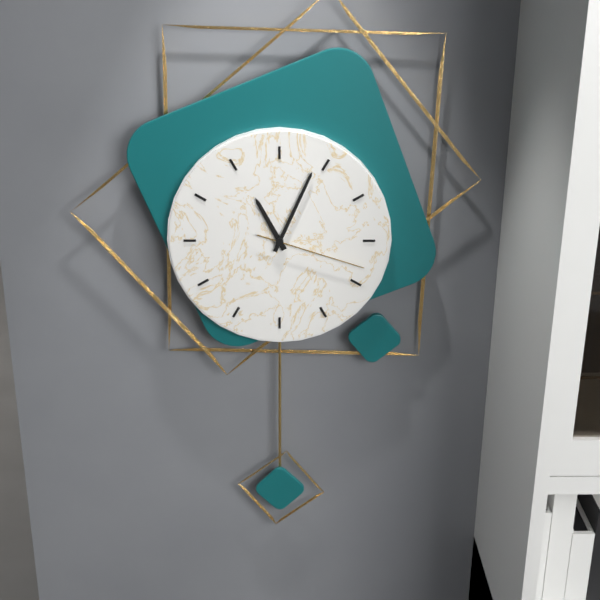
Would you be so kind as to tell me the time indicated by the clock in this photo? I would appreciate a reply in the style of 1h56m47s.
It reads 11h04m18s
